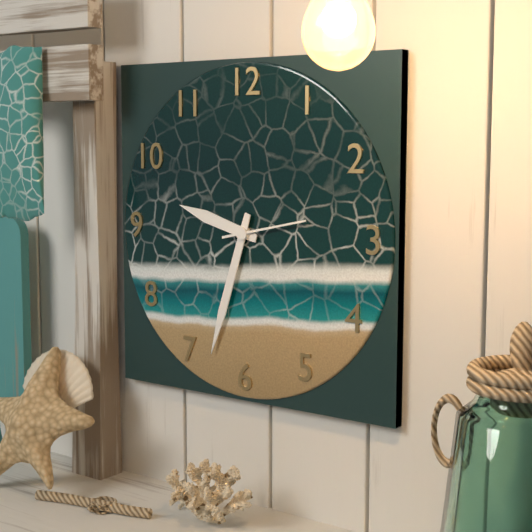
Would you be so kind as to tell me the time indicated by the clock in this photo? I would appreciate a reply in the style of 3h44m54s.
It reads 9h33m13s
